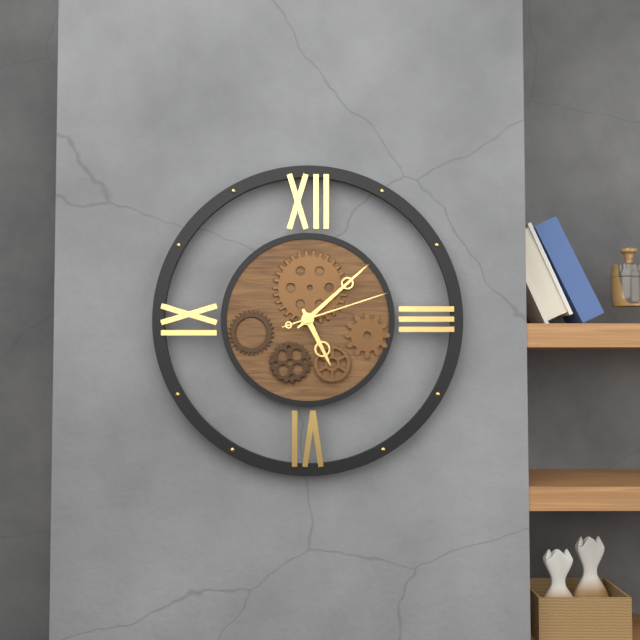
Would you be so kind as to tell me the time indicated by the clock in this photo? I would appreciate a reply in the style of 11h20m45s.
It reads 5h08m12s
